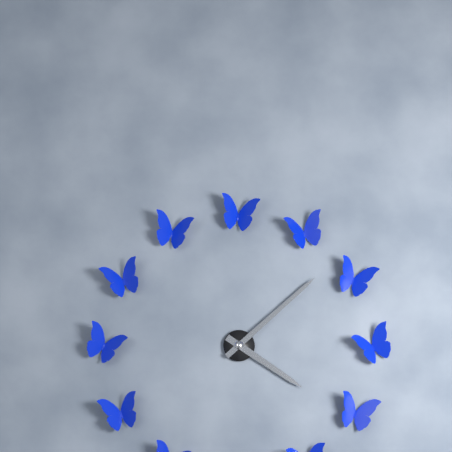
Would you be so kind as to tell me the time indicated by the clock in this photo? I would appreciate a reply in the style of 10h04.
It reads 4h08
